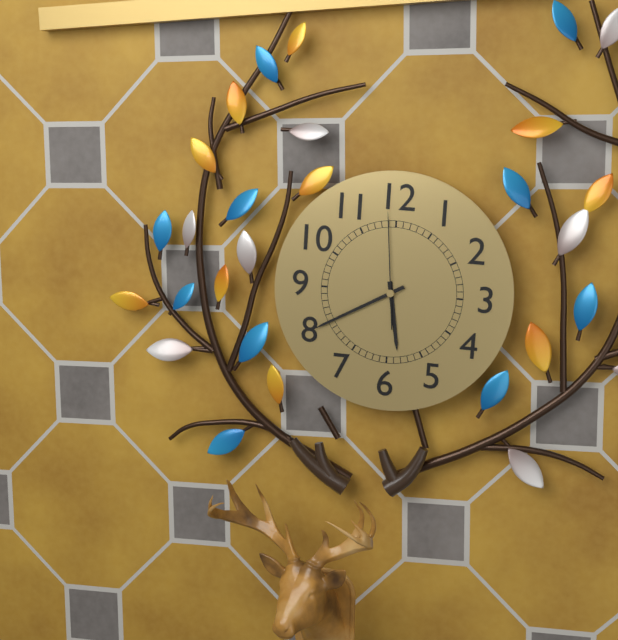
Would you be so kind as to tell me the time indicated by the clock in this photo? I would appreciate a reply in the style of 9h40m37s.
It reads 5h40m59s
